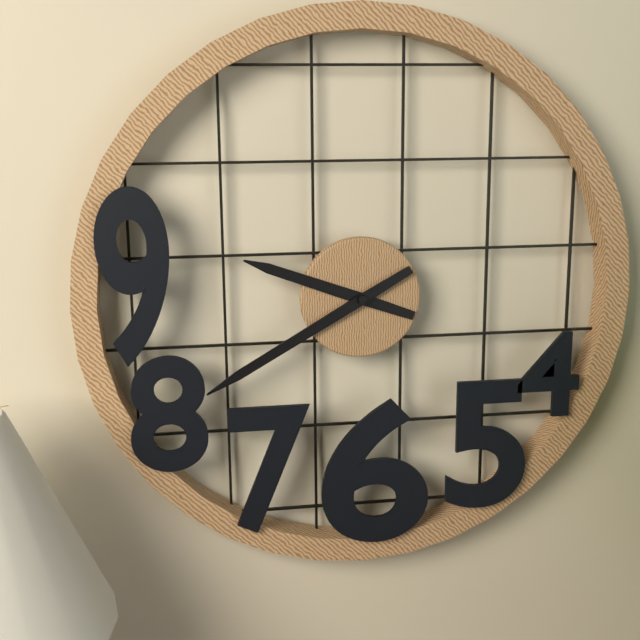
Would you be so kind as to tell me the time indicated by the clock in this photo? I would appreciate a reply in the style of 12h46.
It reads 9h40
